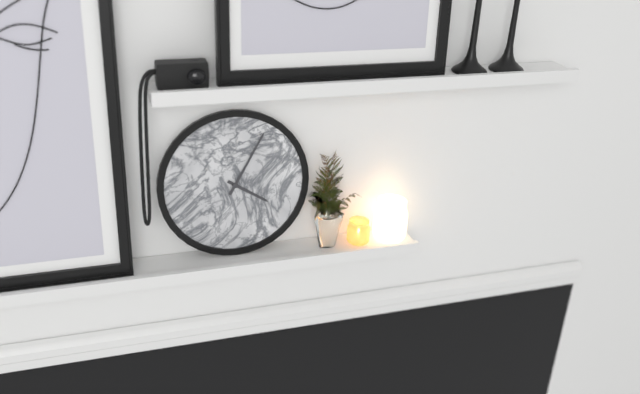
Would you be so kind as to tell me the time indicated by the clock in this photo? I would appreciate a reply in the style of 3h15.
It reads 4h05
